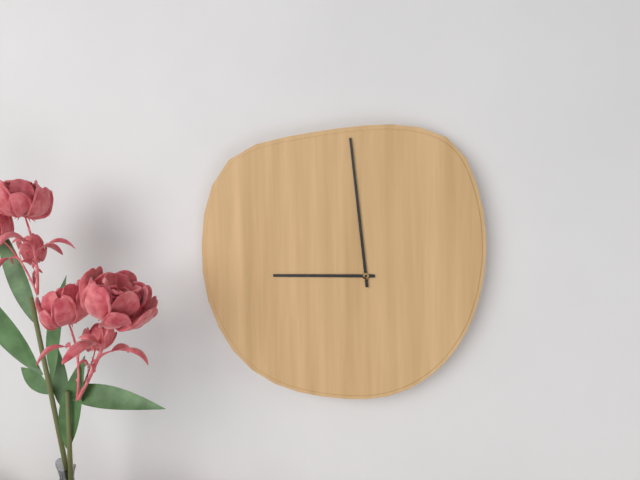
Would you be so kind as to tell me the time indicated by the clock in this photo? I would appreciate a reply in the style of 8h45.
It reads 8h59
